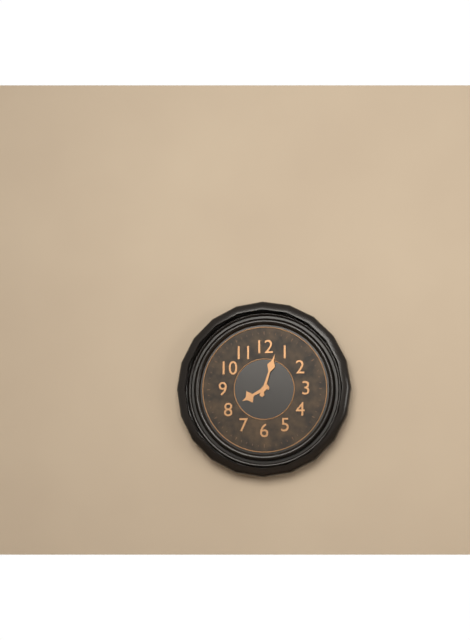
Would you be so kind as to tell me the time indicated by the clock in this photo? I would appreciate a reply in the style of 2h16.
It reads 8h03
